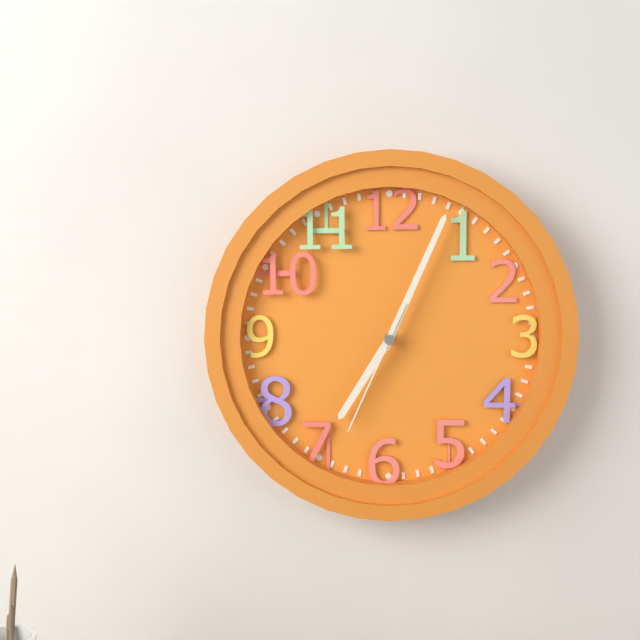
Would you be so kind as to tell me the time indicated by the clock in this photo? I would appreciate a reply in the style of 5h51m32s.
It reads 7h04m34s
